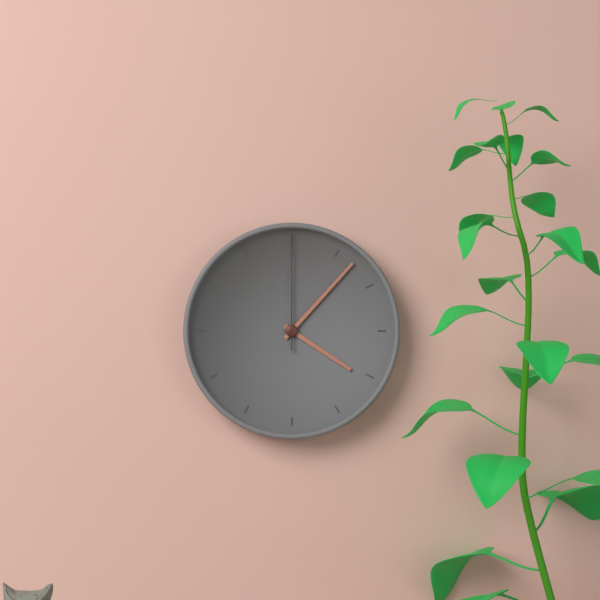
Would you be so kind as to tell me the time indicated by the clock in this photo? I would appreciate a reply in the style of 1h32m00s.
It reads 4h07m00s
